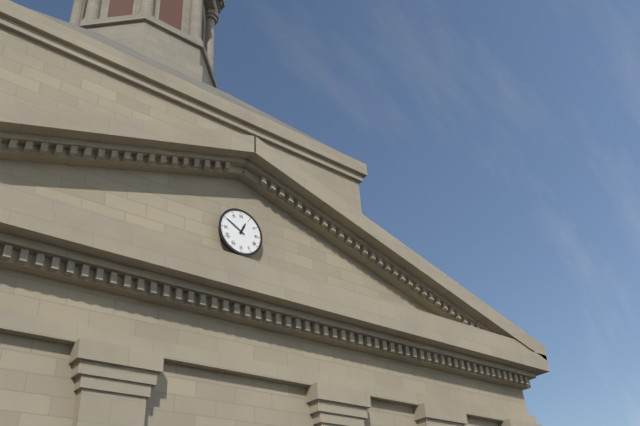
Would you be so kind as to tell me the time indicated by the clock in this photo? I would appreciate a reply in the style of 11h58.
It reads 12h50
